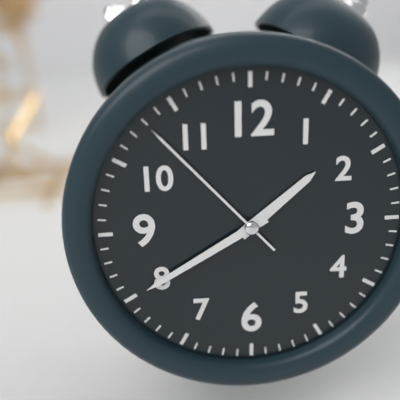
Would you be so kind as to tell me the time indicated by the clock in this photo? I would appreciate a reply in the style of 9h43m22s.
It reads 1h40m53s
